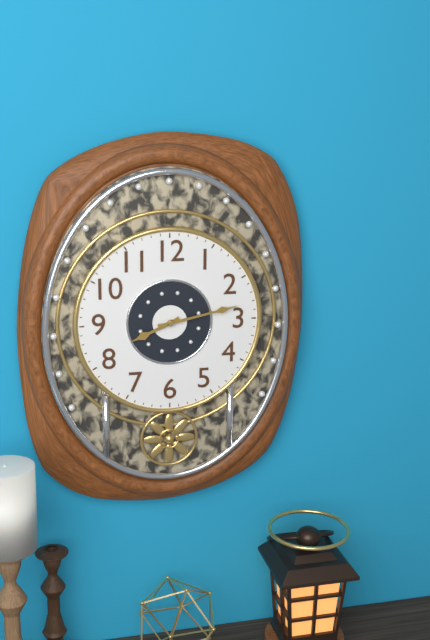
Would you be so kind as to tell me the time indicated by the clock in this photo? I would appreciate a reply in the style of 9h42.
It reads 8h13
